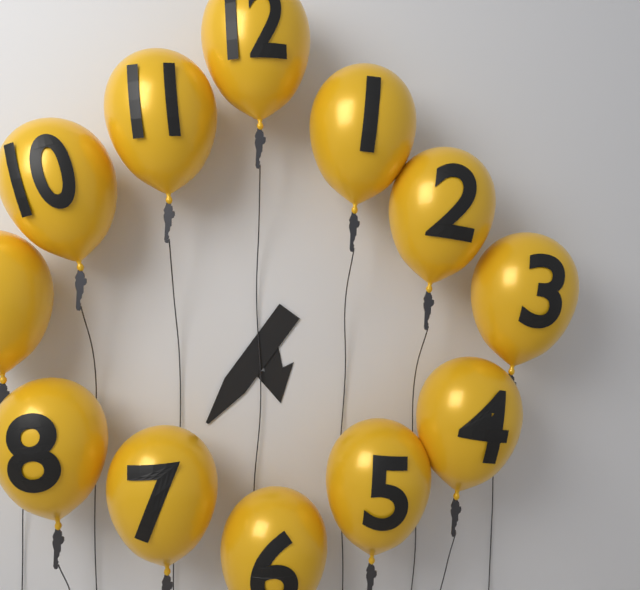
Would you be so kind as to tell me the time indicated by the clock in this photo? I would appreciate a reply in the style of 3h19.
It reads 5h36
